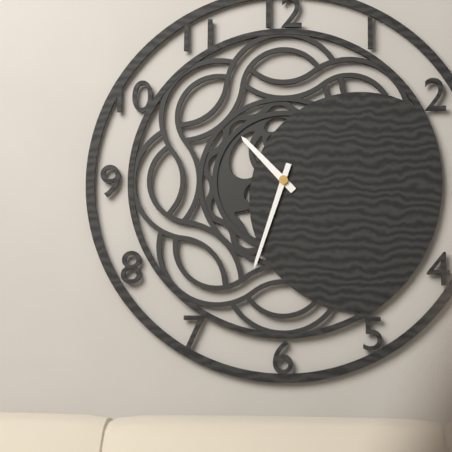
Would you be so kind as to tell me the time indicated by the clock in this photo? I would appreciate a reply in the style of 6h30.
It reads 10h33
